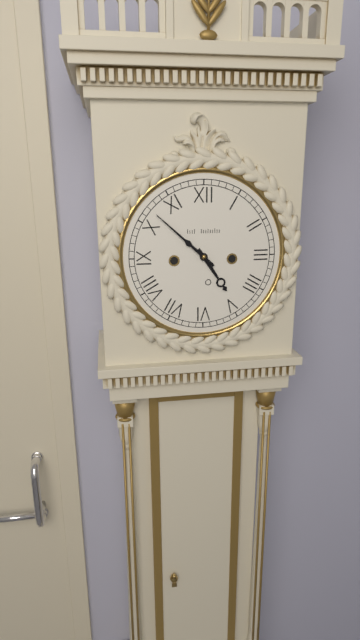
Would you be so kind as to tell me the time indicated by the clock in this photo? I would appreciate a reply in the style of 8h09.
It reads 4h52
